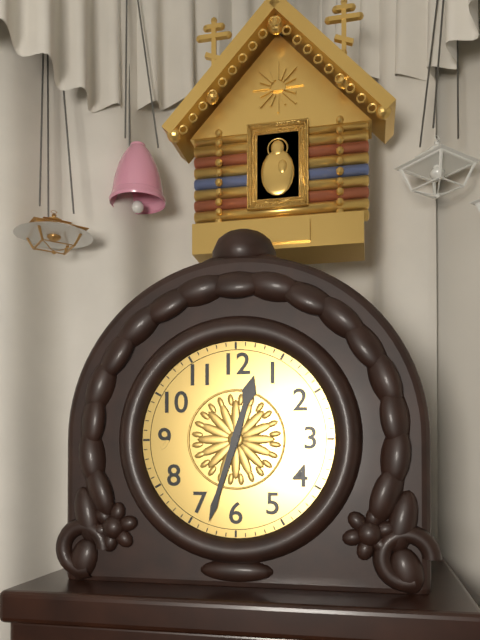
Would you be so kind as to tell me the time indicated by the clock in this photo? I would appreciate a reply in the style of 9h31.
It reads 12h33
